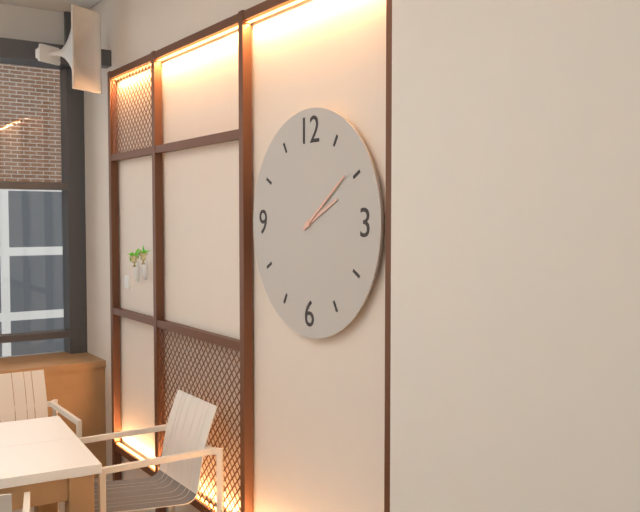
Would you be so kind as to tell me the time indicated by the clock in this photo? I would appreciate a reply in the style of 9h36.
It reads 2h09
